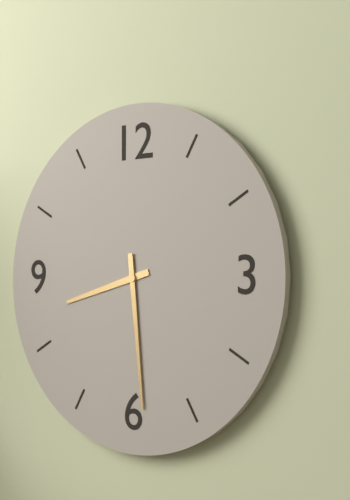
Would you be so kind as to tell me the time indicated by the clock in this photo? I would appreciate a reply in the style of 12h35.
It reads 8h29
